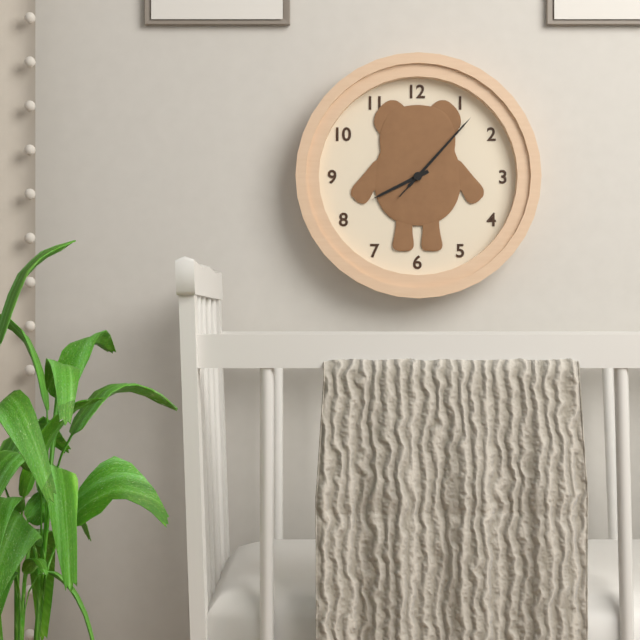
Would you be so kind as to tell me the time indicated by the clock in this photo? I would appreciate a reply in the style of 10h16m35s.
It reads 8h07m07s
